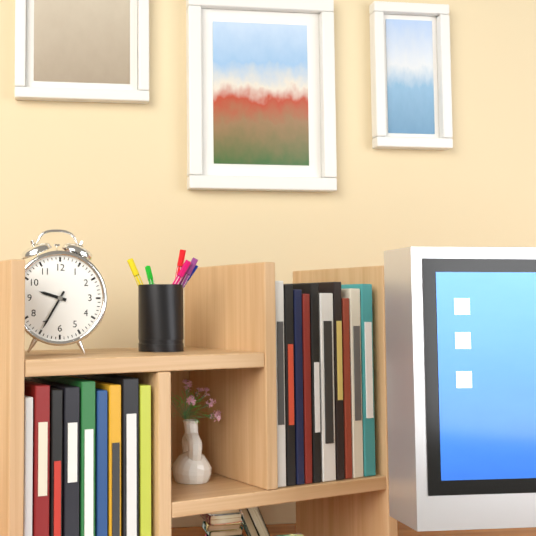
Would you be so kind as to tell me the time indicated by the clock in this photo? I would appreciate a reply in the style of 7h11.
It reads 9h35
